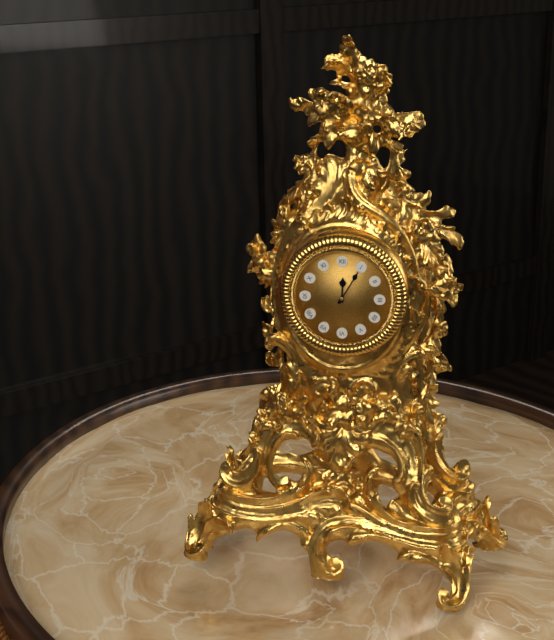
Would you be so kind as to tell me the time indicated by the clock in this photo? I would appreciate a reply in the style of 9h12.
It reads 12h05
